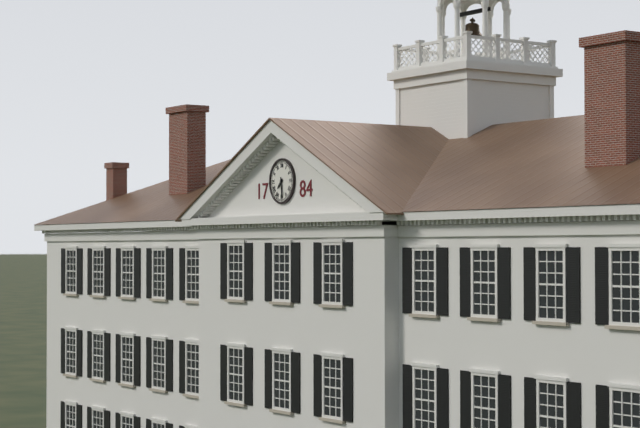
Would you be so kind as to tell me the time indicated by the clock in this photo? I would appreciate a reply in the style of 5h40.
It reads 7h29
